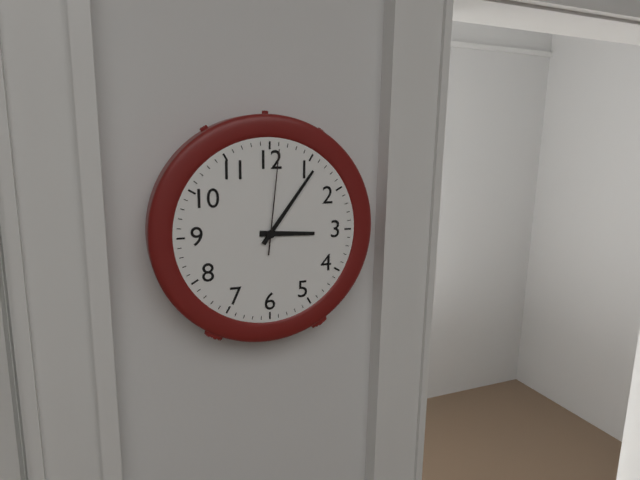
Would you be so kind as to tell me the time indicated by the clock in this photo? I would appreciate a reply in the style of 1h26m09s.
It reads 3h06m01s
